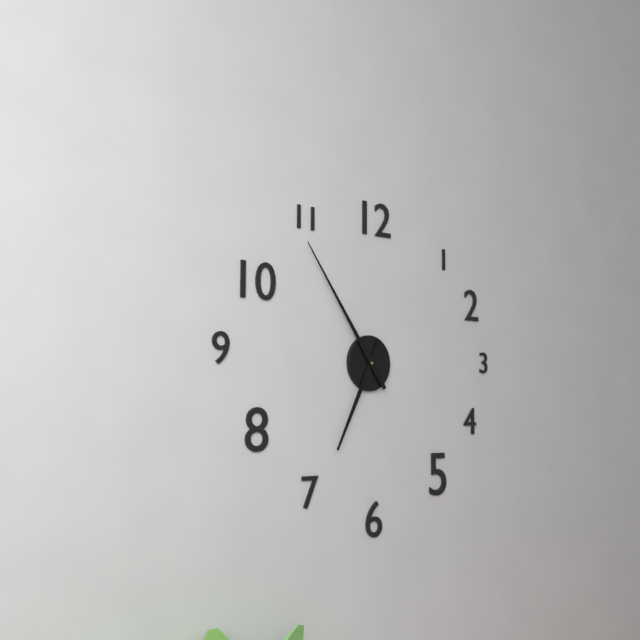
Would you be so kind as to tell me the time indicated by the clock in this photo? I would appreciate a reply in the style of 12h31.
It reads 6h54
